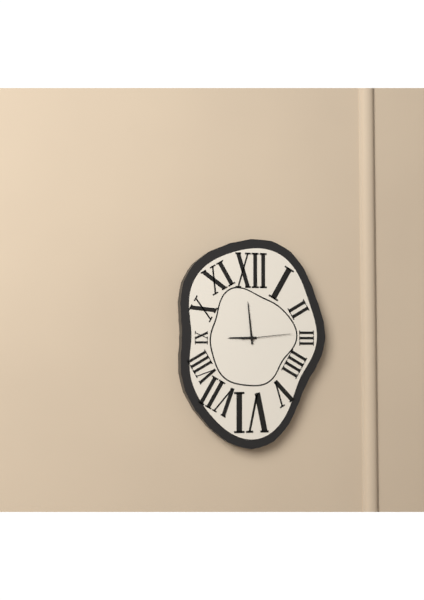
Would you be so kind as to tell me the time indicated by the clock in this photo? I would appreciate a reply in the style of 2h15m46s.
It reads 8h59m14s
